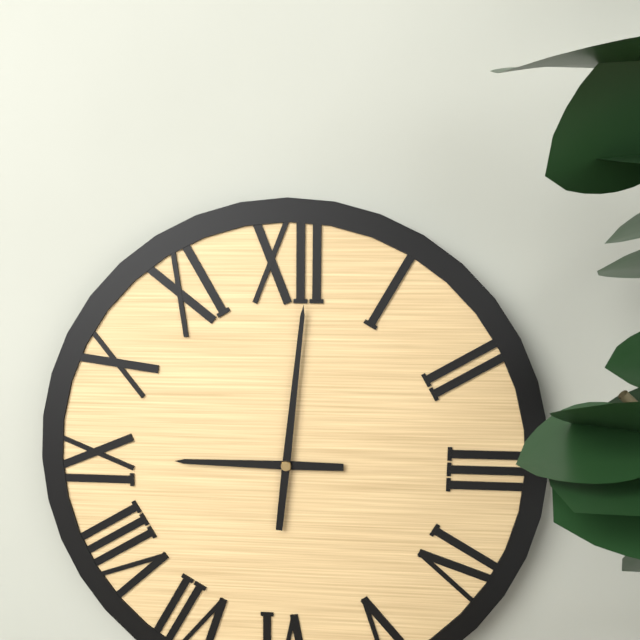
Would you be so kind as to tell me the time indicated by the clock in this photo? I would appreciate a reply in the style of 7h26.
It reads 9h01
